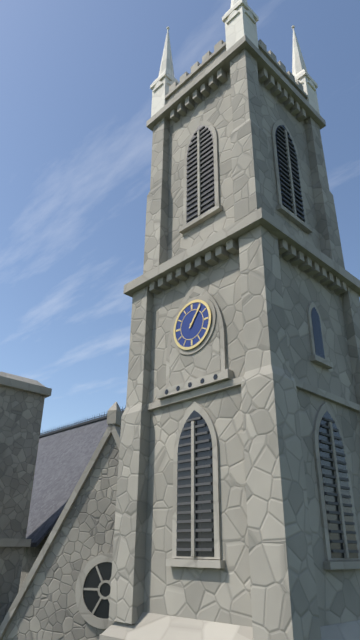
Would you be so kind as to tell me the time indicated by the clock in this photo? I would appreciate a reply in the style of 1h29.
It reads 1h06
